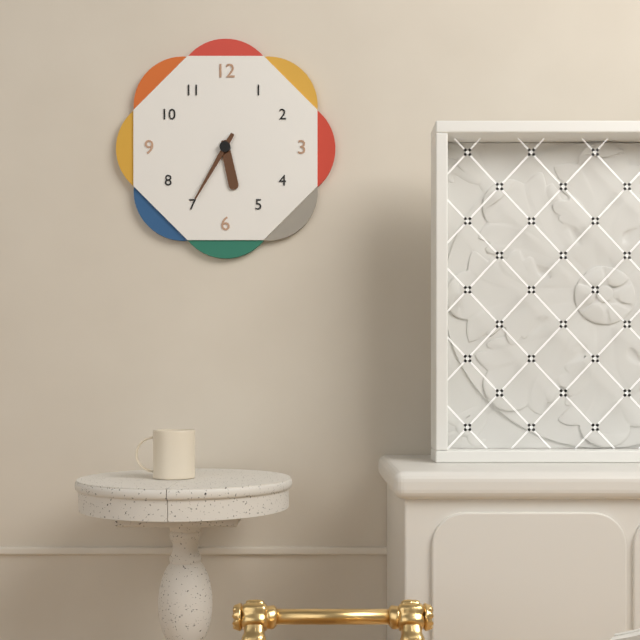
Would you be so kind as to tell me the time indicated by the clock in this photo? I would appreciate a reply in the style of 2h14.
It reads 5h35
